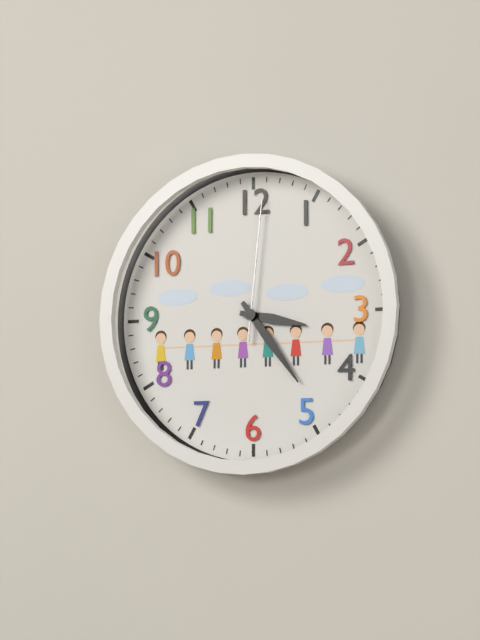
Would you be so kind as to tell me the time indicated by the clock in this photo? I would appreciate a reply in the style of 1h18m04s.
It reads 3h24m01s
